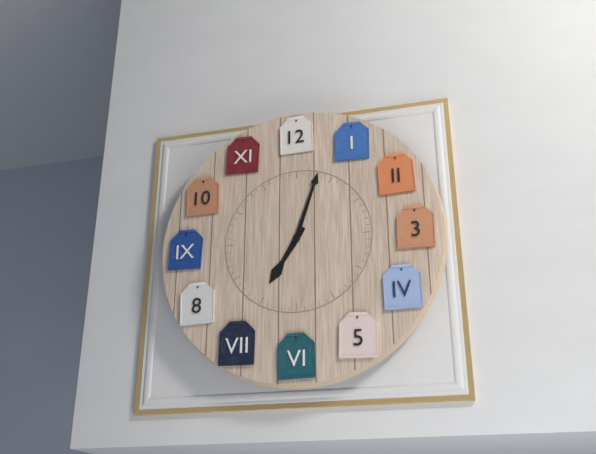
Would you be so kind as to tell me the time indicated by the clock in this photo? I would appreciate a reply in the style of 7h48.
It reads 7h03
